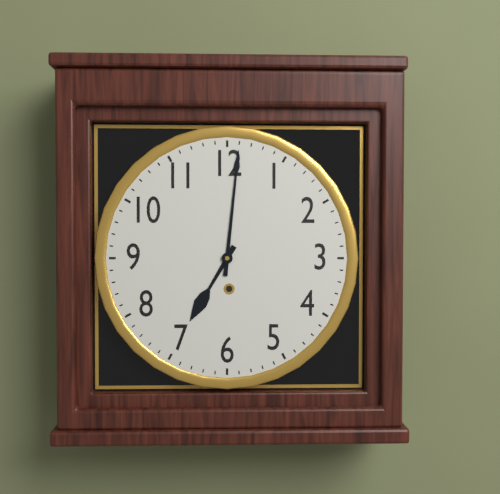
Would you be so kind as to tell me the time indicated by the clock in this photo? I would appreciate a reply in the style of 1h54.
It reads 7h01
